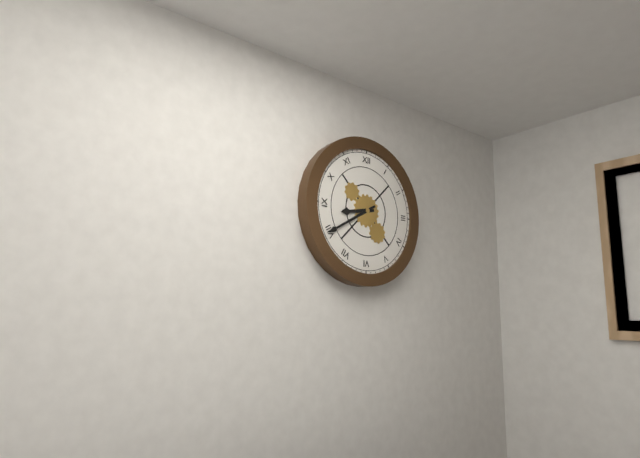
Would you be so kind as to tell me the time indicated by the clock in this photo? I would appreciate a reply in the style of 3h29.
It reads 8h40
